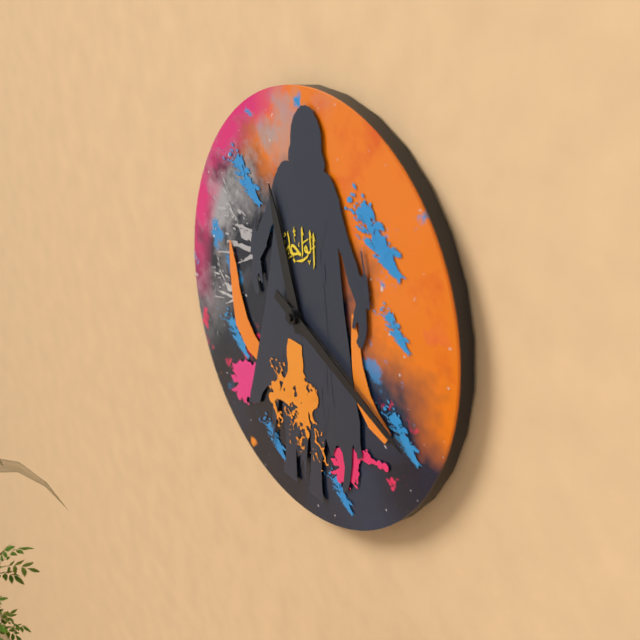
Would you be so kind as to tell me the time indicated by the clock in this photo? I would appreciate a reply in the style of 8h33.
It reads 11h19
